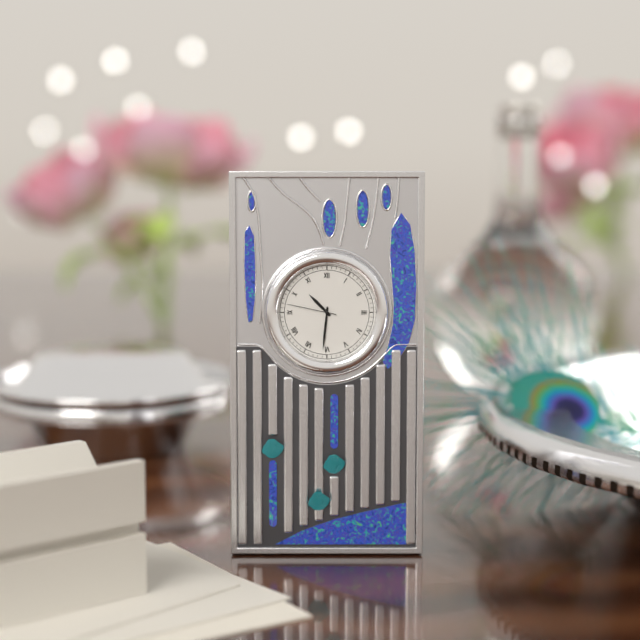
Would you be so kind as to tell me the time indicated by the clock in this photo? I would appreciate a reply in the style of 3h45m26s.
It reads 10h31m47s
